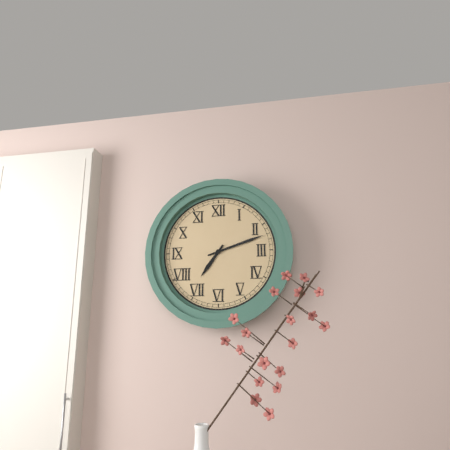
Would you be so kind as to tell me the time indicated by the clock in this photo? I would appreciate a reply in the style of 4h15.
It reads 7h12
